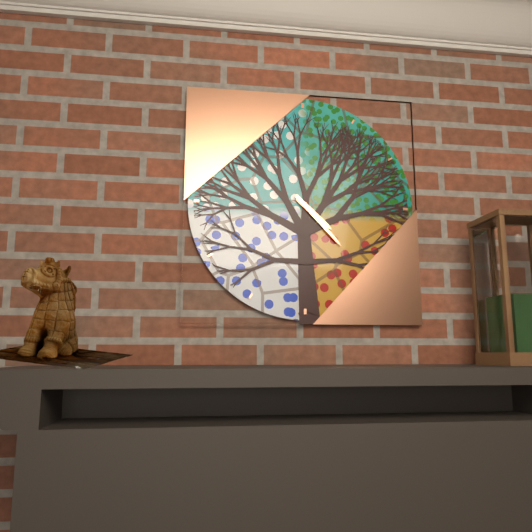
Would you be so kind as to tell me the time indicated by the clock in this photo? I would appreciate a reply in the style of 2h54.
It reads 4h23
